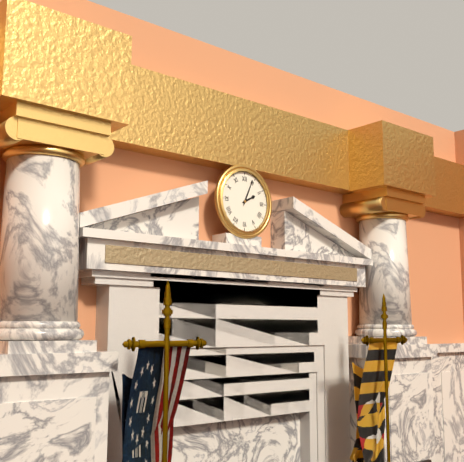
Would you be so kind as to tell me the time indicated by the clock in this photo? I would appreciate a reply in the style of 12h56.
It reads 2h04
